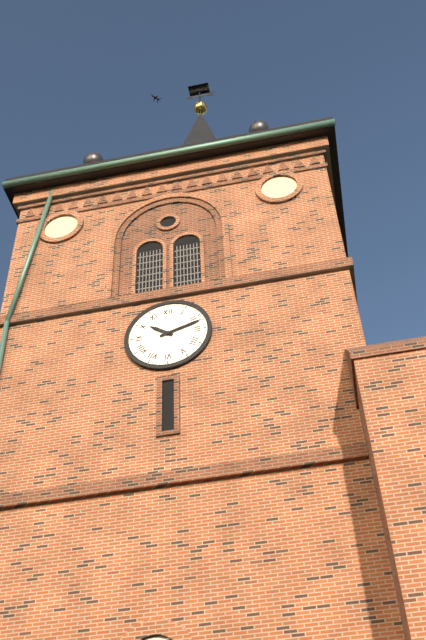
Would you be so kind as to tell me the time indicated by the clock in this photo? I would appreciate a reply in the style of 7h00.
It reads 10h12
